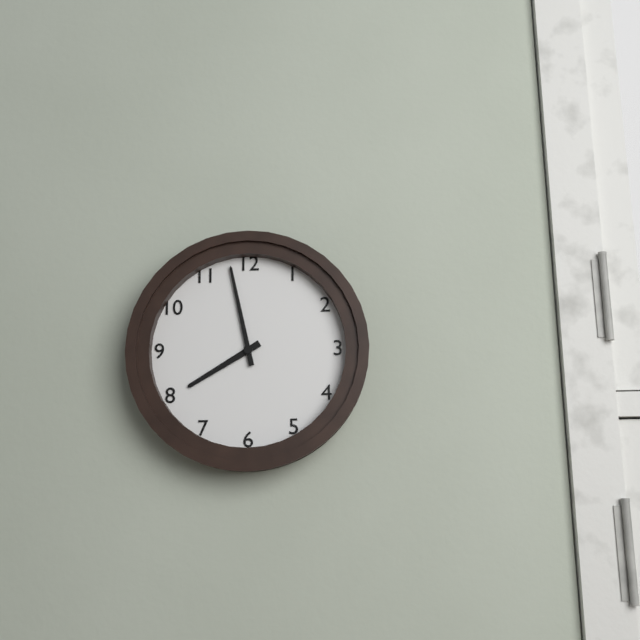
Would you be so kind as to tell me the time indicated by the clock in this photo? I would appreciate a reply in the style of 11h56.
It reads 7h58
